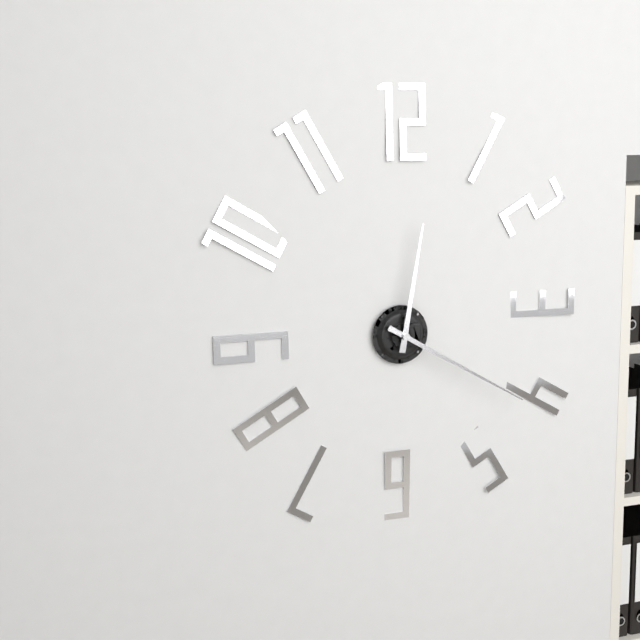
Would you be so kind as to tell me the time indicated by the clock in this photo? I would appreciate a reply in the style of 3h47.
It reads 12h20
